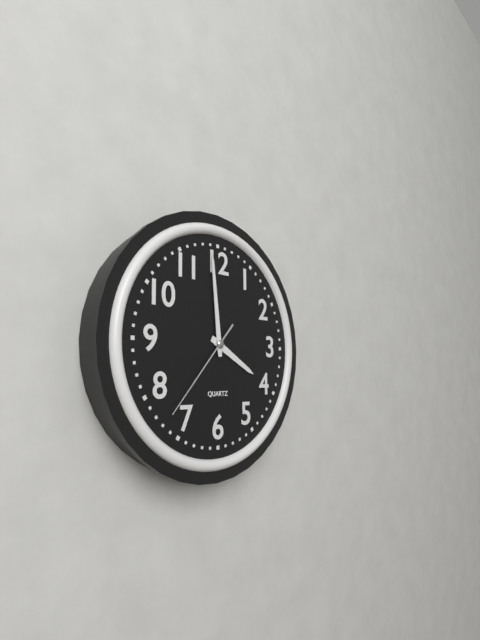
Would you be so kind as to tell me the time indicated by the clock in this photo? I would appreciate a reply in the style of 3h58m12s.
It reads 3h59m37s
